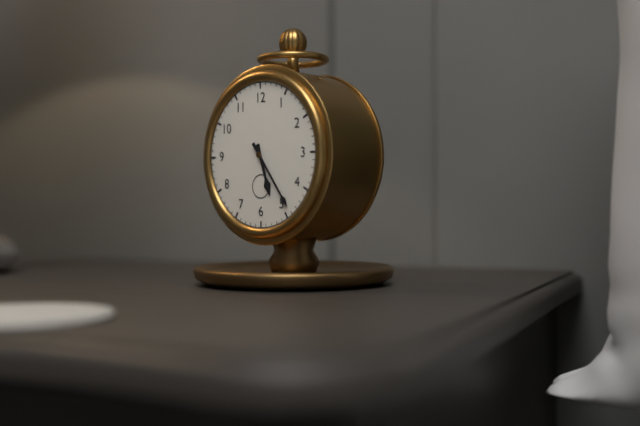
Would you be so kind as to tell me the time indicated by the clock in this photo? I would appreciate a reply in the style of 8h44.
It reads 5h24
